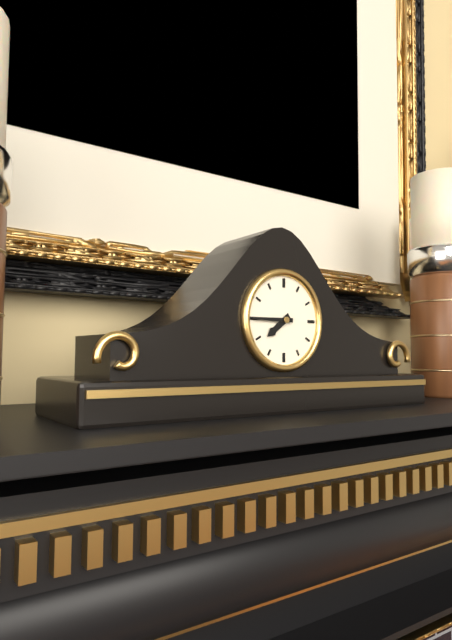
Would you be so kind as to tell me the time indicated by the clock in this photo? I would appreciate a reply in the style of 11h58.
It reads 7h45
